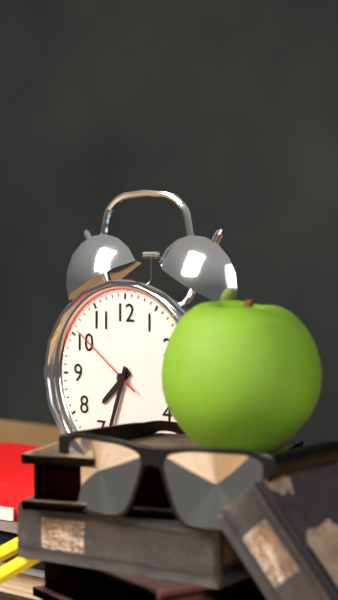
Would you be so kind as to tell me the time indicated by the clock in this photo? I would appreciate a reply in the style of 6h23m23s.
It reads 7h33m51s
